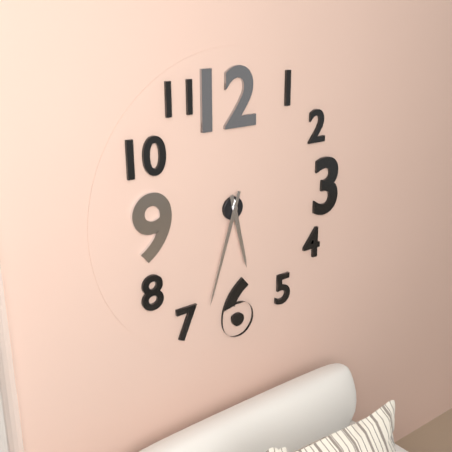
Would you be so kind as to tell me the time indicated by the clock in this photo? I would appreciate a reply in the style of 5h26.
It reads 5h33
